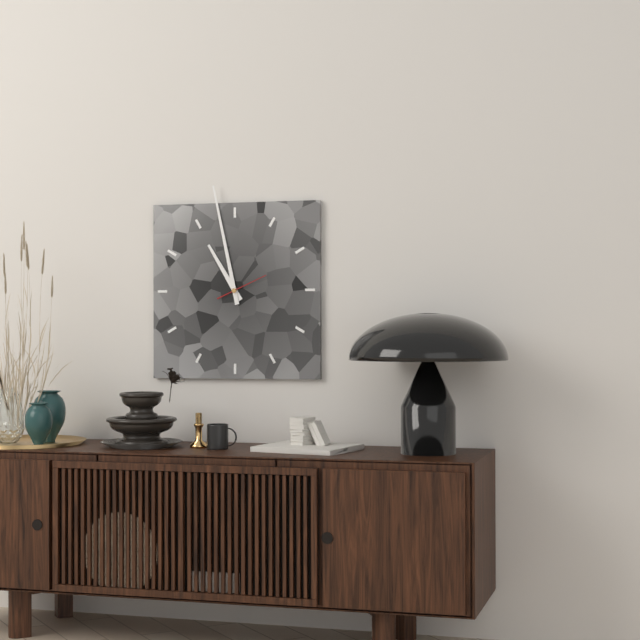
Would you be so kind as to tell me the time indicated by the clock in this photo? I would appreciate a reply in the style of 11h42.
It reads 10h58
